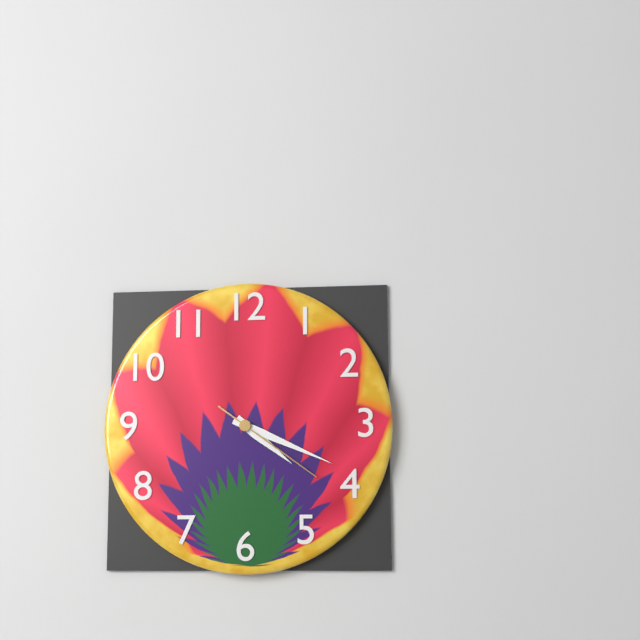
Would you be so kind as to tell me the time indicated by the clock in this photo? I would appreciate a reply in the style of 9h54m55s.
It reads 4h19m21s
